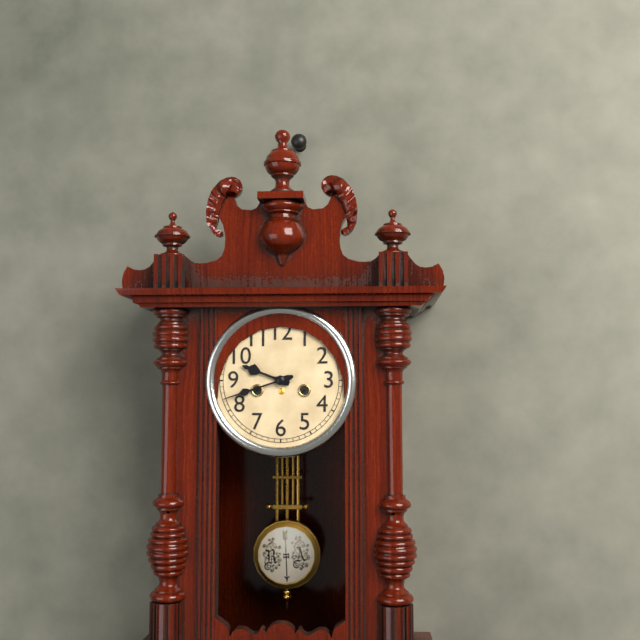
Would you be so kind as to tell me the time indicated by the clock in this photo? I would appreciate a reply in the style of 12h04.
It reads 9h42
